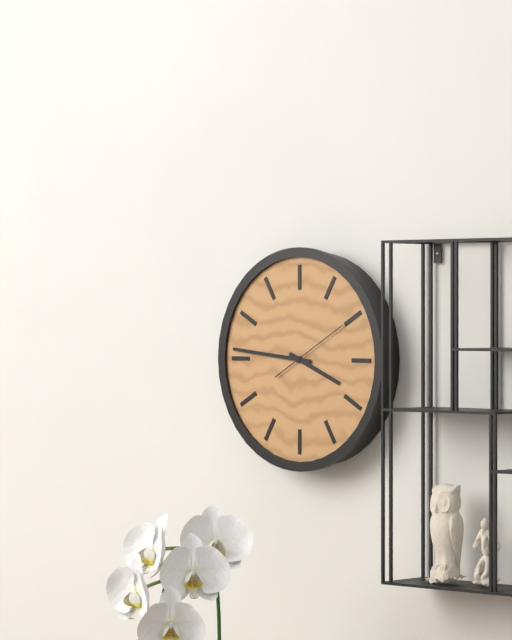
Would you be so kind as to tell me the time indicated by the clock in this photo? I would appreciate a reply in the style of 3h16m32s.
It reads 3h46m10s
